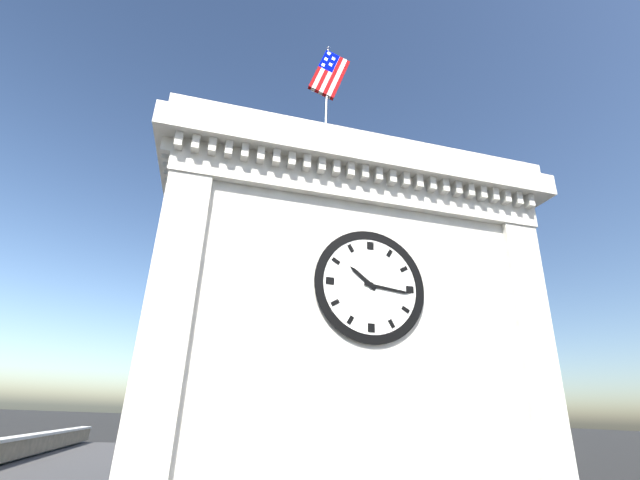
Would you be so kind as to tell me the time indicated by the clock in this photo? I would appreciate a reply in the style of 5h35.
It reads 10h16
